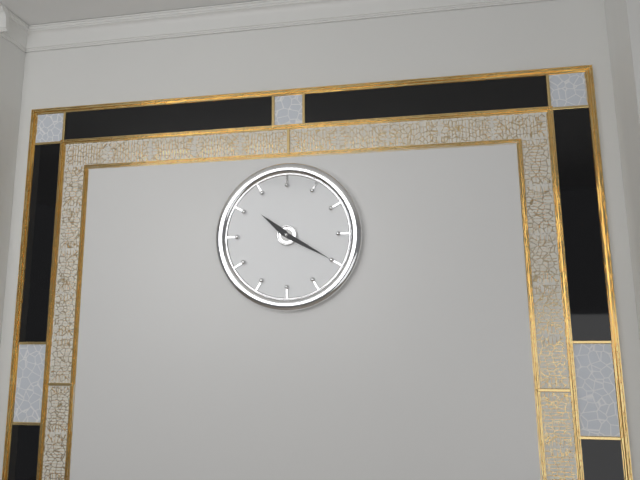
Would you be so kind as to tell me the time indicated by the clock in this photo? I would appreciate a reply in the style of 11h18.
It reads 10h20
